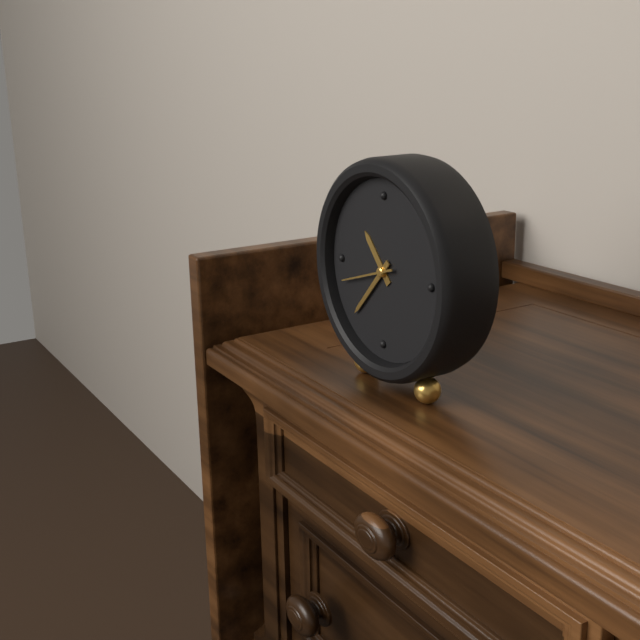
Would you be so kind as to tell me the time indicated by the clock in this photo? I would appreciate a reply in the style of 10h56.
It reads 10h37
